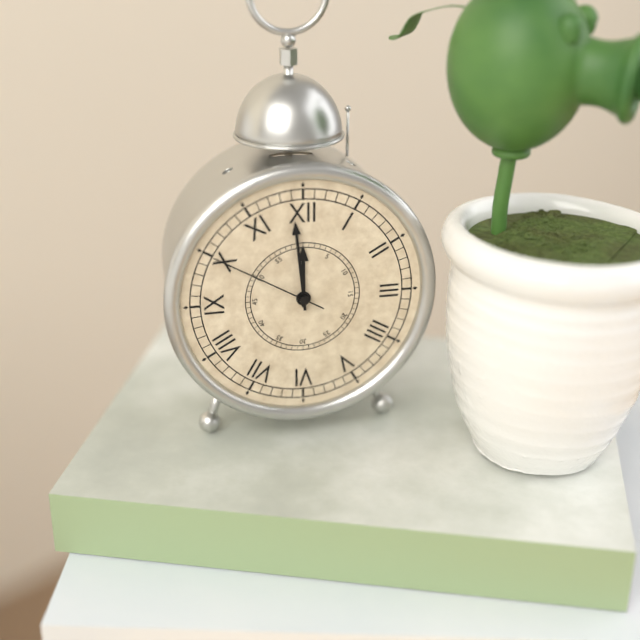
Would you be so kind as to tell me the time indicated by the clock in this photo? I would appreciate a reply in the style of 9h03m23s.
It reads 11h59m50s
